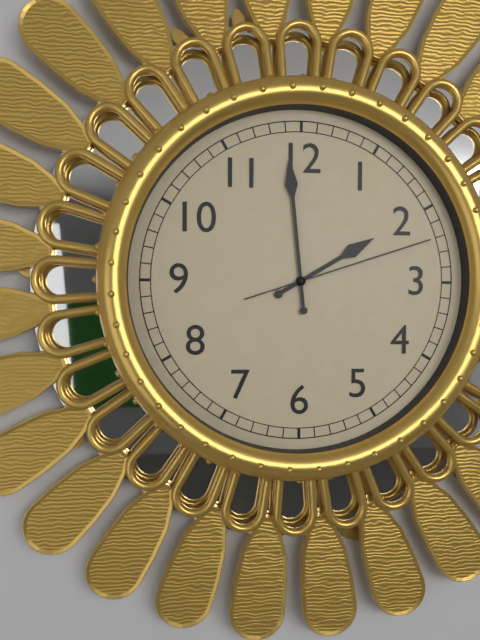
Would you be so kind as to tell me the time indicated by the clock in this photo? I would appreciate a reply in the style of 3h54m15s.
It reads 1h59m12s
